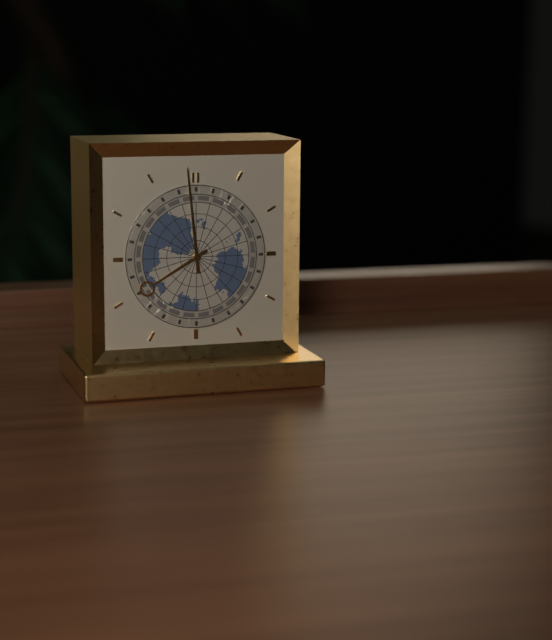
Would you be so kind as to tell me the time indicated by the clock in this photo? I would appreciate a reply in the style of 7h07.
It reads 7h59
